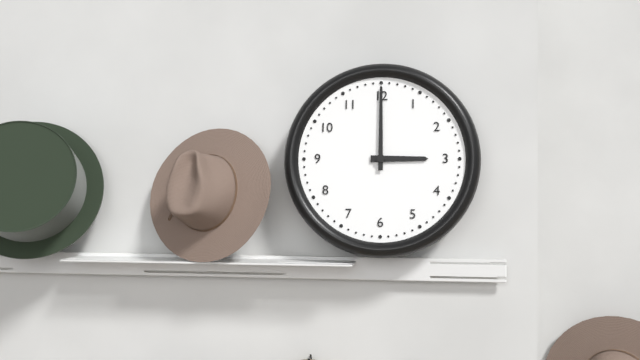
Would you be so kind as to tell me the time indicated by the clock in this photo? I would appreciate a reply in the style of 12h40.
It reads 3h00
